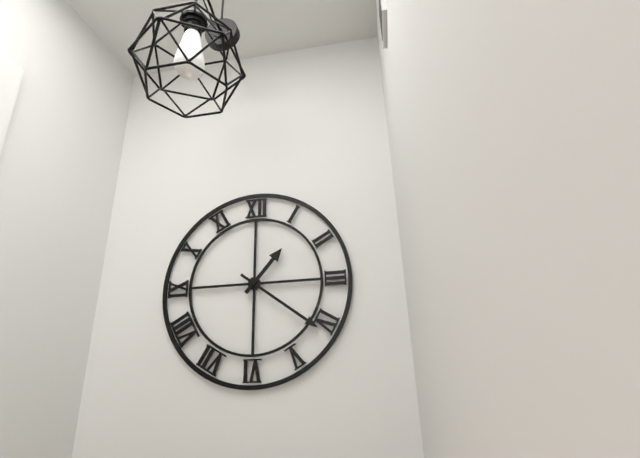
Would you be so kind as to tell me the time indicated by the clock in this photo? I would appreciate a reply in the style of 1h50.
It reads 1h21
